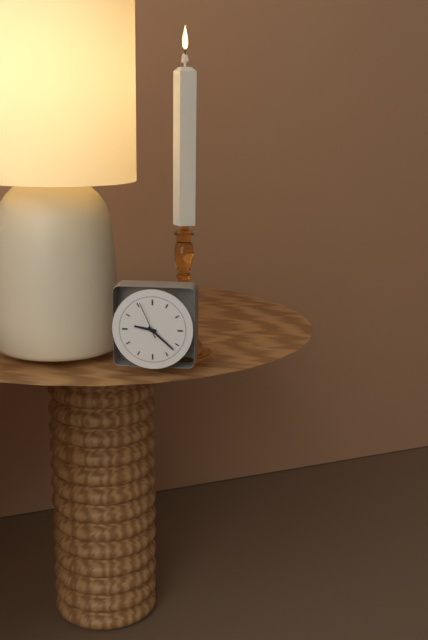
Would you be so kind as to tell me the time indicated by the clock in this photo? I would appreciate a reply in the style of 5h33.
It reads 9h22
